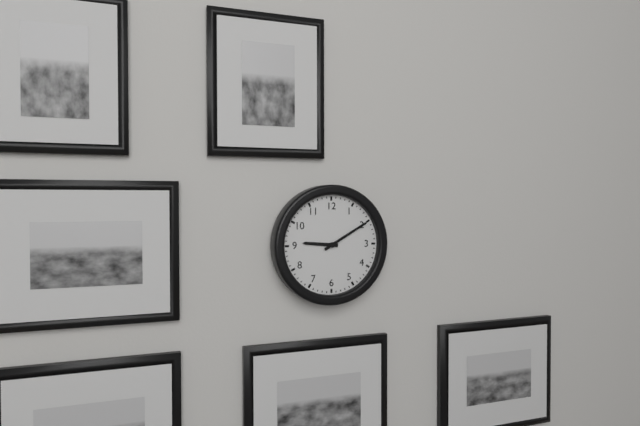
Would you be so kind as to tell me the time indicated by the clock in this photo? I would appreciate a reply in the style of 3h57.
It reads 9h10
